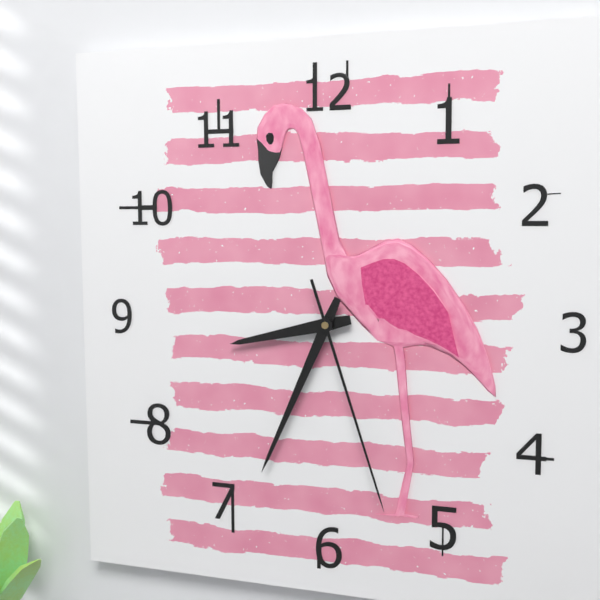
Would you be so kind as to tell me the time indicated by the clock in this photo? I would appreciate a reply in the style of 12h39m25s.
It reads 8h34m27s
